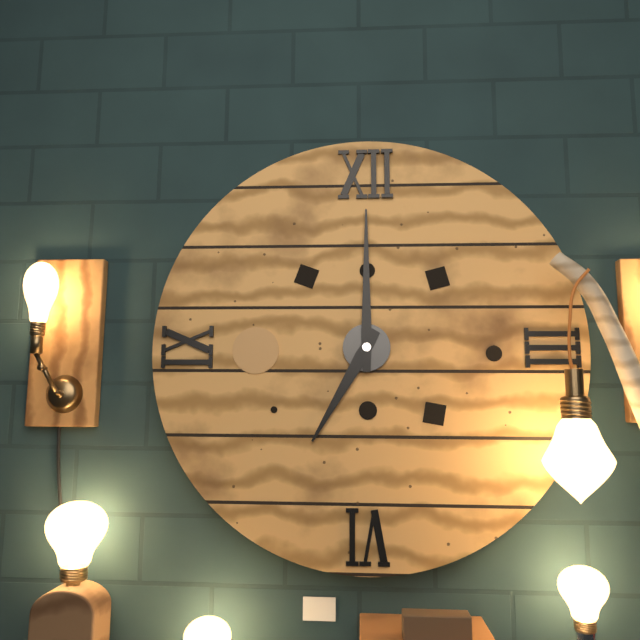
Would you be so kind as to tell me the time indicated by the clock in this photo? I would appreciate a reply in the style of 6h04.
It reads 7h00
